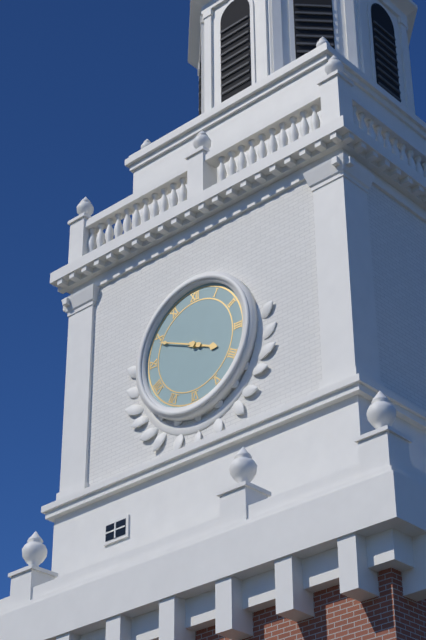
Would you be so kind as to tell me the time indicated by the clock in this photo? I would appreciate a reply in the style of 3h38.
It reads 3h49
